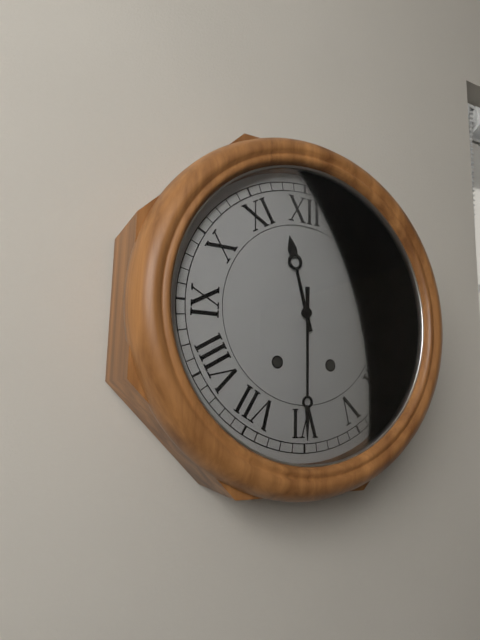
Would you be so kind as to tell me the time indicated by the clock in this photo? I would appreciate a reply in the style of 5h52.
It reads 11h30
